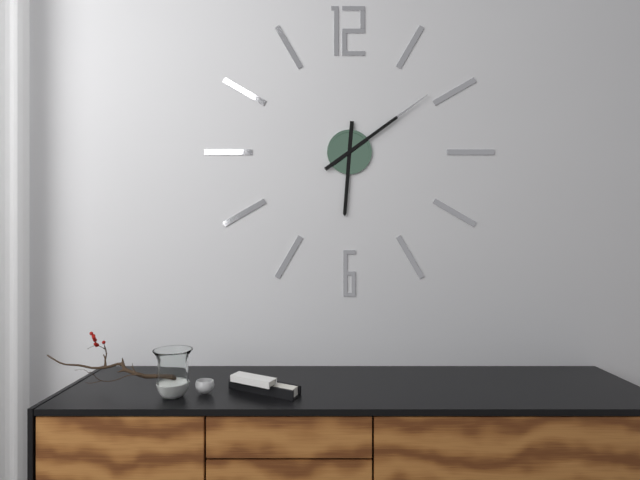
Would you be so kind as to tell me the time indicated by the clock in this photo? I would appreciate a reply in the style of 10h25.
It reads 6h09
